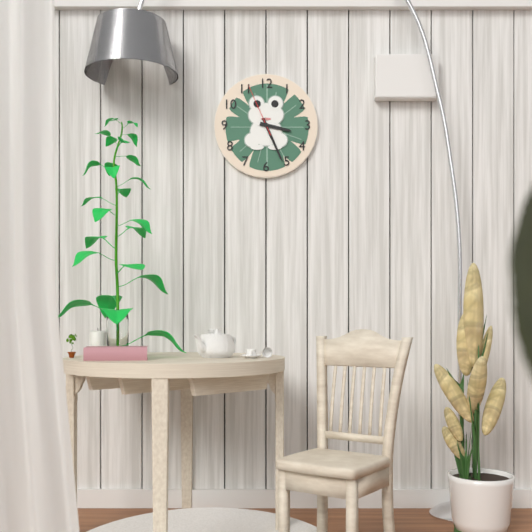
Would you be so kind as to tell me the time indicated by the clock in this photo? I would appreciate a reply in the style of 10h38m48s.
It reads 3h26m56s
